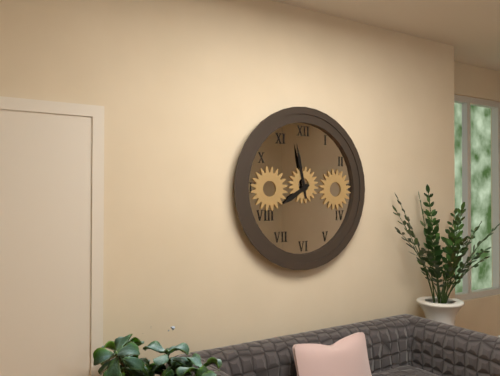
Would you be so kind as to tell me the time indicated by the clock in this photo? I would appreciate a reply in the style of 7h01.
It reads 7h58
